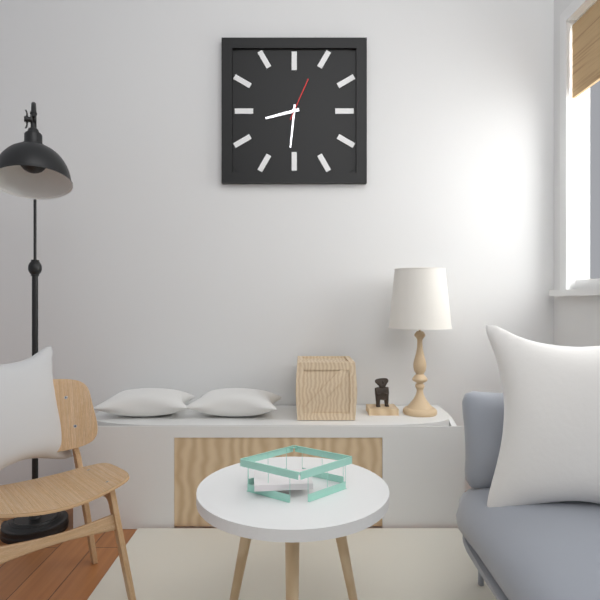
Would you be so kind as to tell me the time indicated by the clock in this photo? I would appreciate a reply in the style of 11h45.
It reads 8h31
